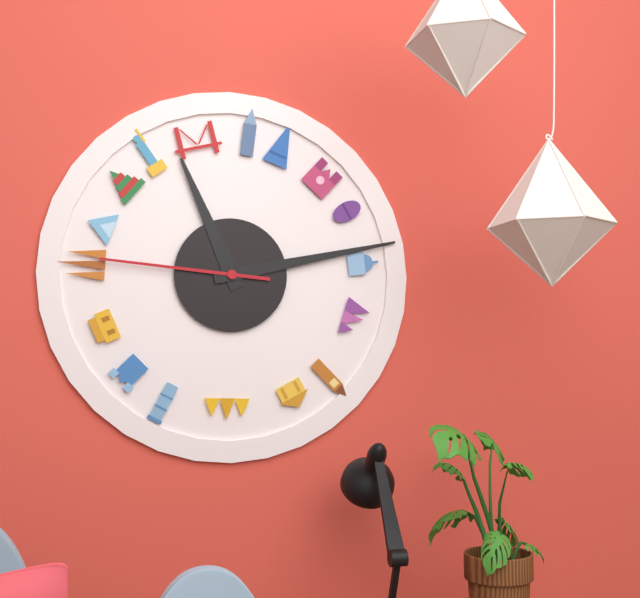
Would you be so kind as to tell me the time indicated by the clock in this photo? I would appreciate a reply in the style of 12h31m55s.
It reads 11h13m46s
